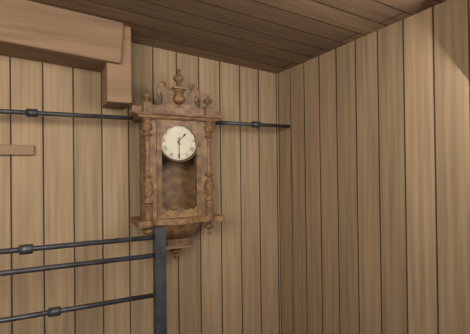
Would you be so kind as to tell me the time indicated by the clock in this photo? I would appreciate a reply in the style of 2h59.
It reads 1h30
